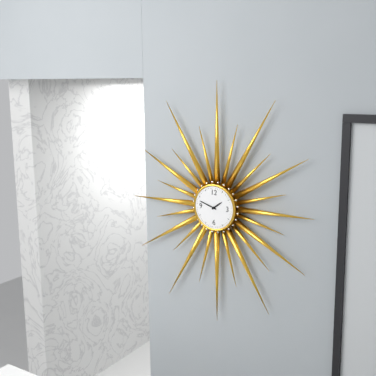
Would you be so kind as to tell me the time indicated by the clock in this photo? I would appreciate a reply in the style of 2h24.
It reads 1h48
